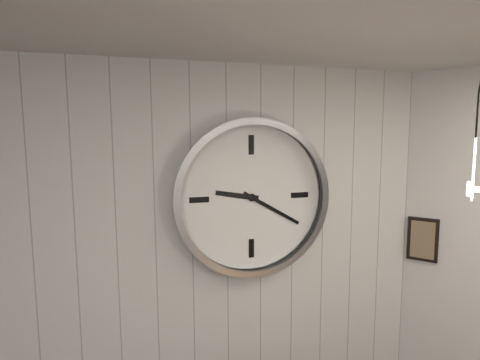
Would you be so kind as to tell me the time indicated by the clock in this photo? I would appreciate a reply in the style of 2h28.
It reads 9h20
